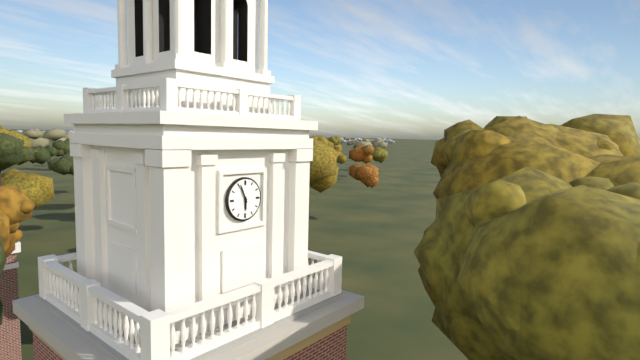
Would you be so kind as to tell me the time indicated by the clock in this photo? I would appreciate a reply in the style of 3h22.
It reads 5h56
